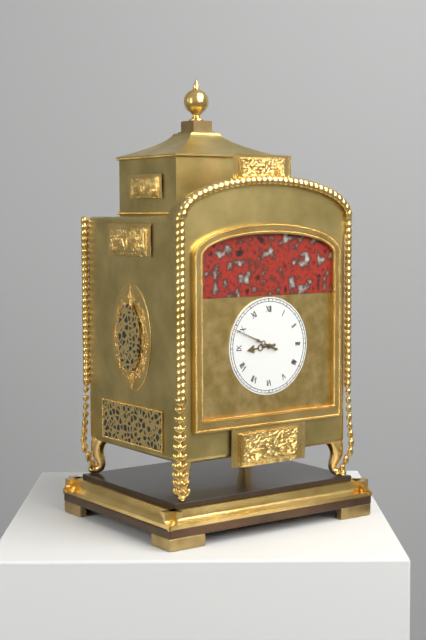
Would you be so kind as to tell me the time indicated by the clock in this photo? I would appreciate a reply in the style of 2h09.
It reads 8h49
